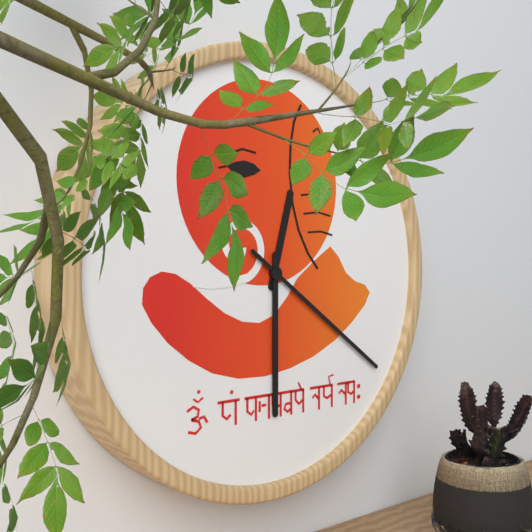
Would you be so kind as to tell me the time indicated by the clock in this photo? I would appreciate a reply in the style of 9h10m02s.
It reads 12h30m21s
